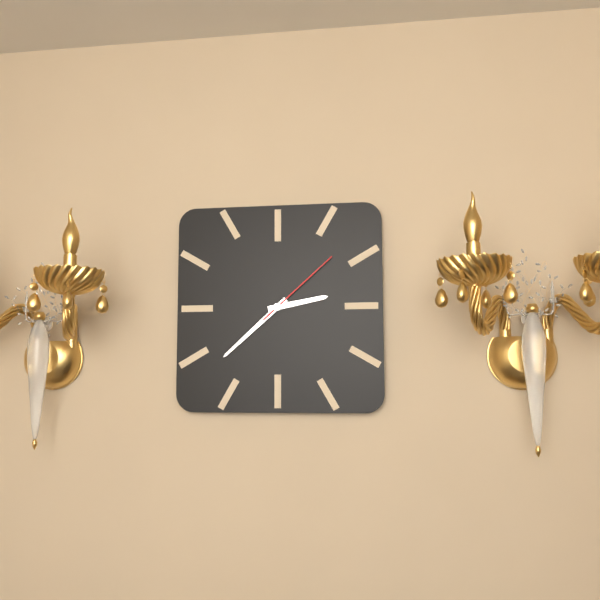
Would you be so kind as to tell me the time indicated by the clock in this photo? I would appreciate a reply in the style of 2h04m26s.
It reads 2h38m08s
